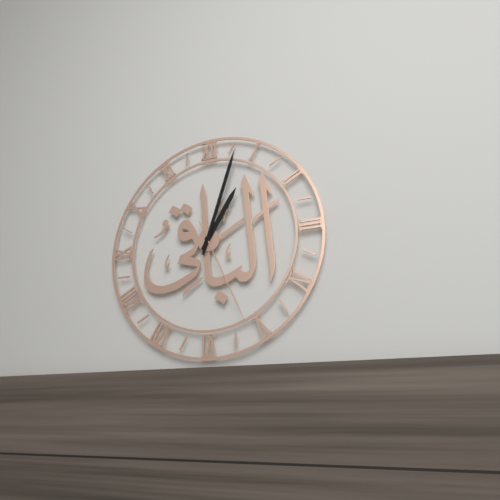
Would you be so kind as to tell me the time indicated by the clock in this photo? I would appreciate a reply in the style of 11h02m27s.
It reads 1h03m26s
